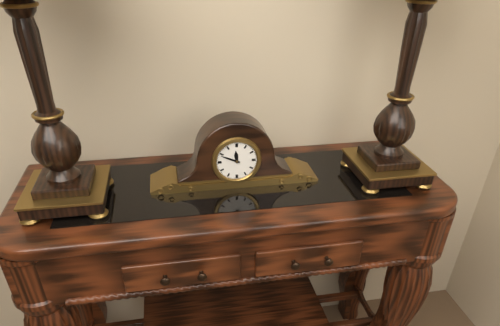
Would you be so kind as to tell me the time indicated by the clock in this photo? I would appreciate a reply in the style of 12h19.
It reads 11h49
